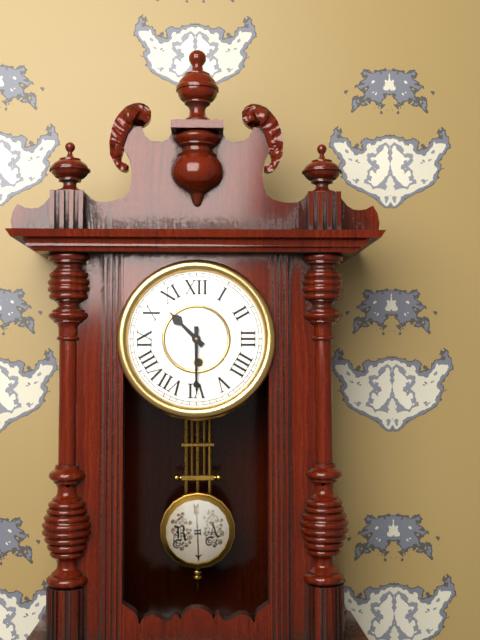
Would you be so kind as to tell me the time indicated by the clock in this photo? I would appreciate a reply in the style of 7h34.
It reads 10h30
